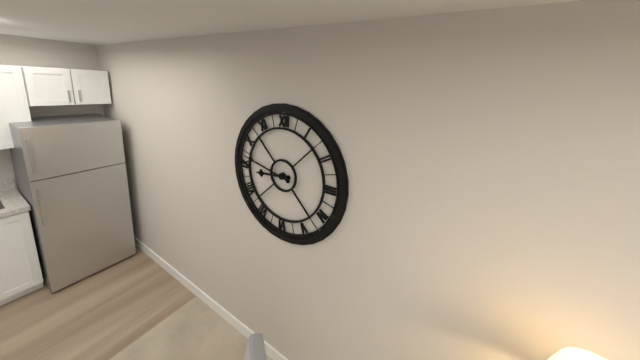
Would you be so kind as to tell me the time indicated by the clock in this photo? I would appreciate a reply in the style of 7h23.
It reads 8h47
